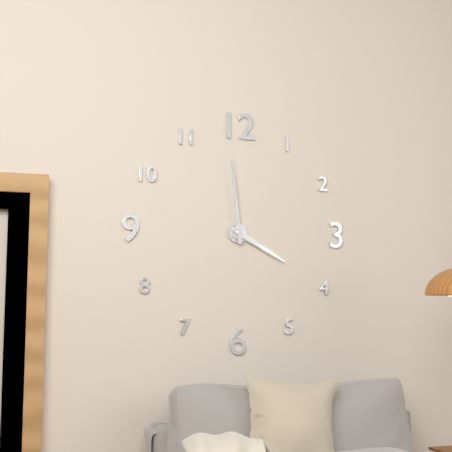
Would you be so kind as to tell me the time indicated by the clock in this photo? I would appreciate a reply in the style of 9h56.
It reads 3h59
